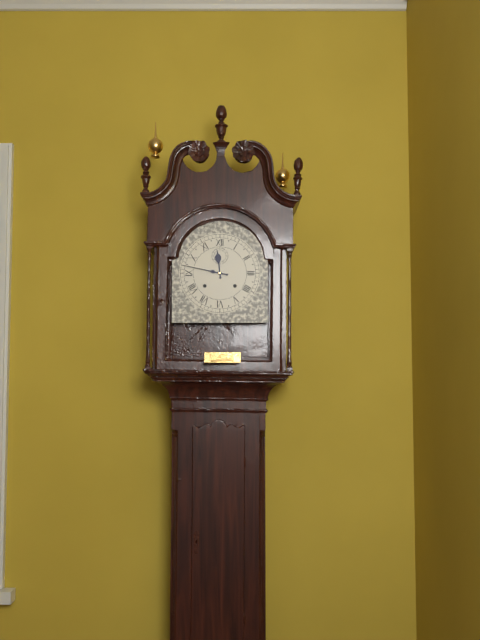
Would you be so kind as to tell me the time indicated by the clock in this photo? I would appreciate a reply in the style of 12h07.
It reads 11h47
